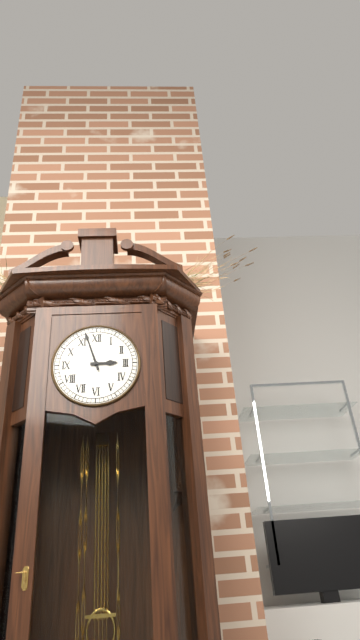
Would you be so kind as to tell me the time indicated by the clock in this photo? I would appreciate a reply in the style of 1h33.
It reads 2h57
